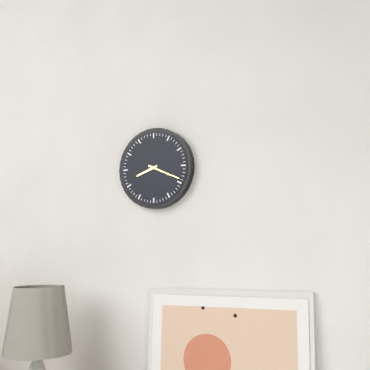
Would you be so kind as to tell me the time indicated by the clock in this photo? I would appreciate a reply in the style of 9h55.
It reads 8h19
